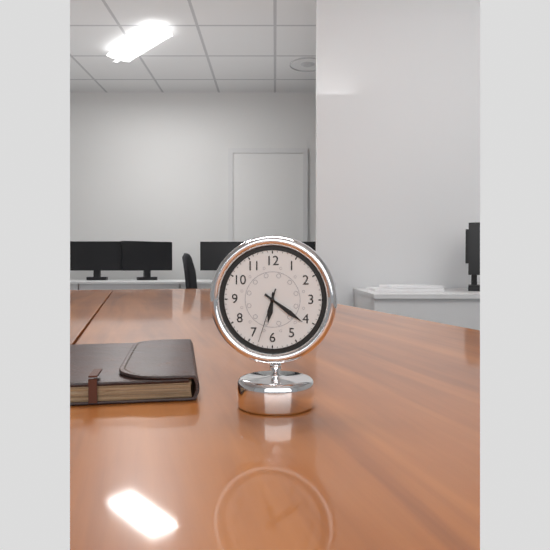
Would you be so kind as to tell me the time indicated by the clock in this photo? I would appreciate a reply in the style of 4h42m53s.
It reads 6h21m33s
